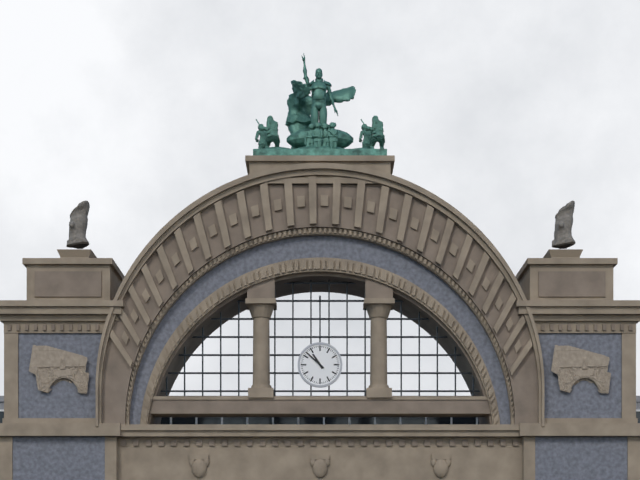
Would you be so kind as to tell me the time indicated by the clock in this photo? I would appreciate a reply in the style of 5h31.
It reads 10h52
